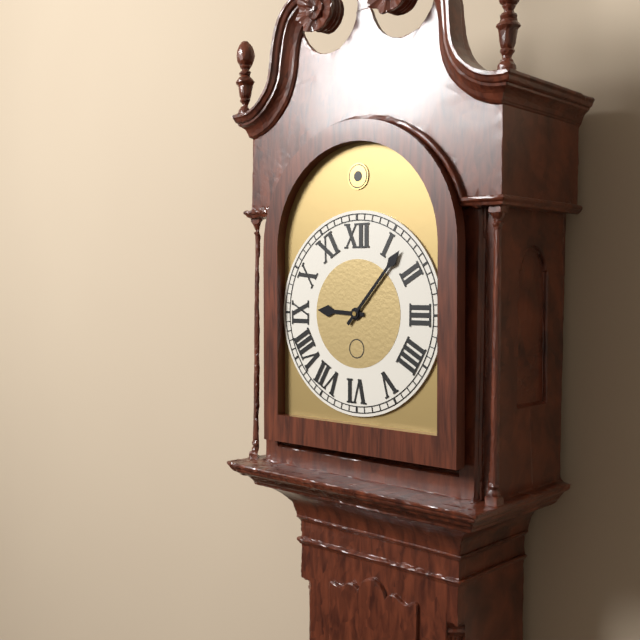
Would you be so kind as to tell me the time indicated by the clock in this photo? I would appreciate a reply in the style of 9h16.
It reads 9h07
